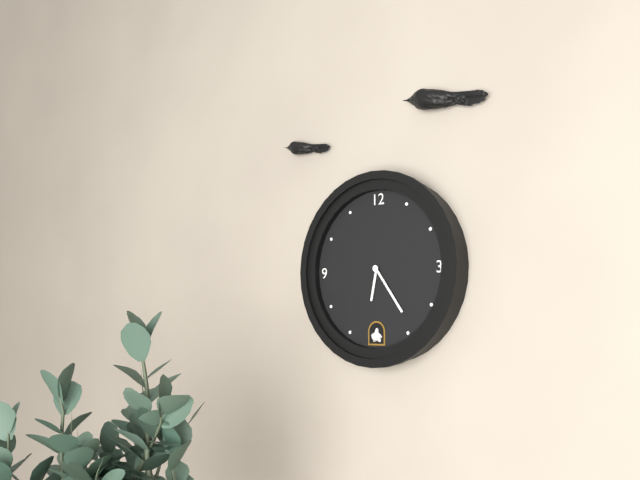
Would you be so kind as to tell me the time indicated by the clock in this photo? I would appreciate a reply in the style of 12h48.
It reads 6h24
